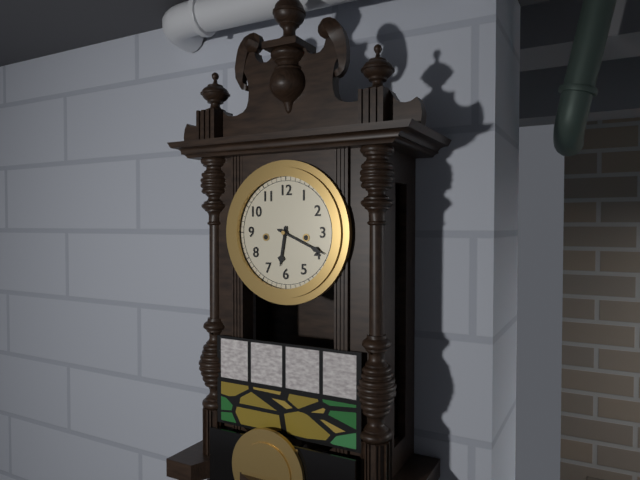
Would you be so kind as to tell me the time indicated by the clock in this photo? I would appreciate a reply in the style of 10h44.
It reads 6h19
